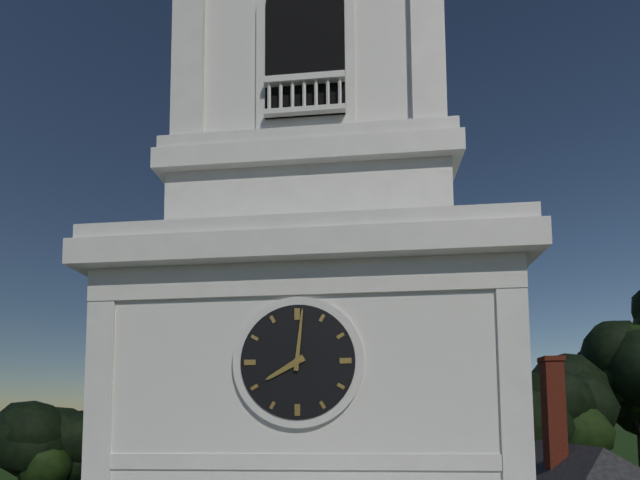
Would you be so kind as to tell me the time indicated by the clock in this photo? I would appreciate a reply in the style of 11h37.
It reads 8h01
